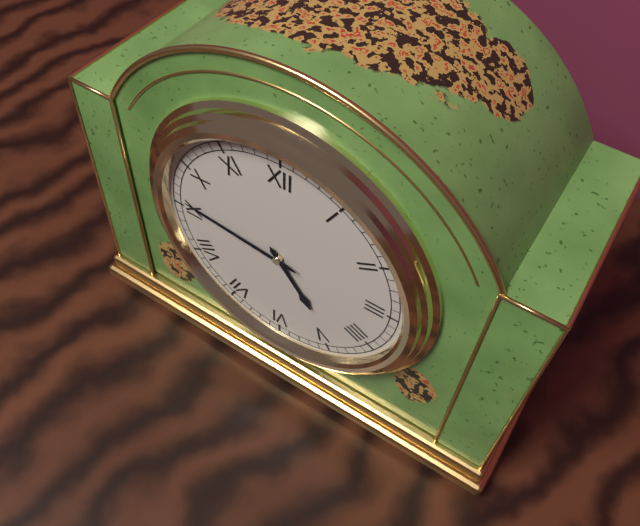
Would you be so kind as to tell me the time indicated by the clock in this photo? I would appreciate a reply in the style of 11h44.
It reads 4h46
